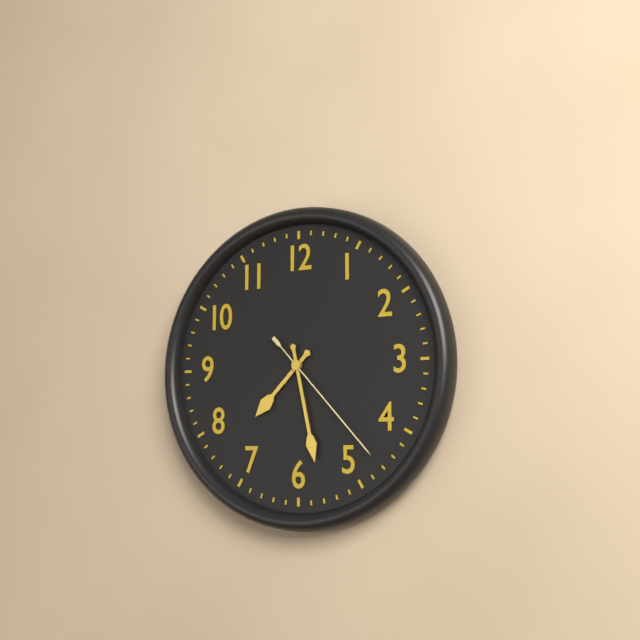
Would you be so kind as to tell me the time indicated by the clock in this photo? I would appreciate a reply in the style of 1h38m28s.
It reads 7h28m23s
